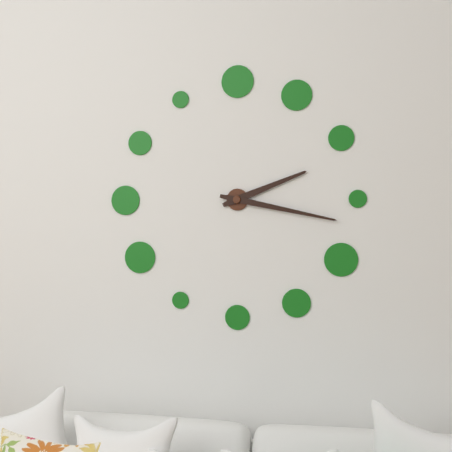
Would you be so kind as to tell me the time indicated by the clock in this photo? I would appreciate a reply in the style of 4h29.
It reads 2h17
